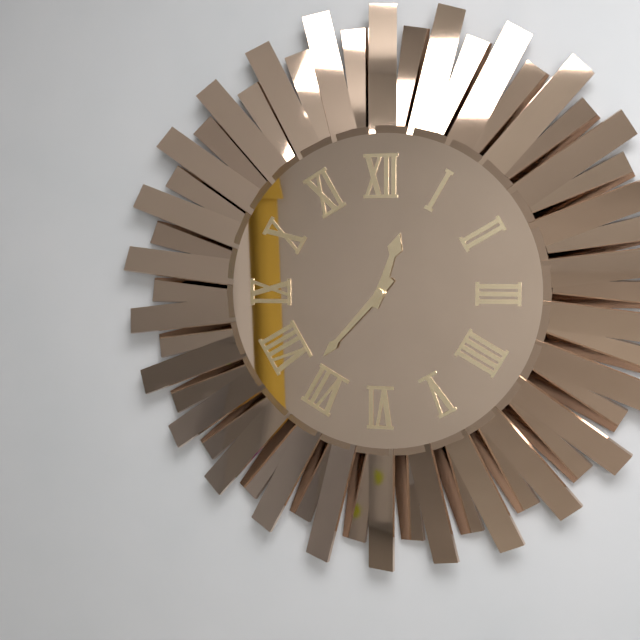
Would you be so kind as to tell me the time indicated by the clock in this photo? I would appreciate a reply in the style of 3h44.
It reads 12h37
